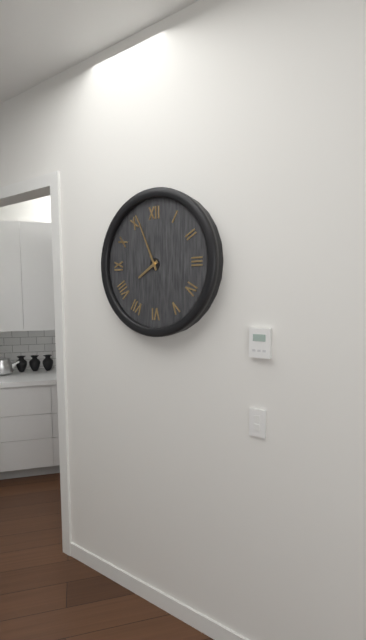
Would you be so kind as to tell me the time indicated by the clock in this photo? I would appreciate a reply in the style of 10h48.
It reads 7h56
